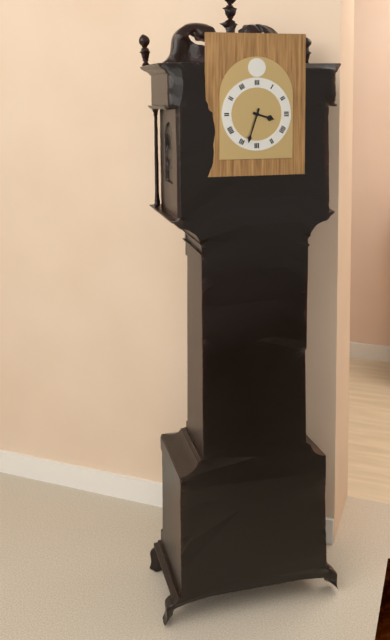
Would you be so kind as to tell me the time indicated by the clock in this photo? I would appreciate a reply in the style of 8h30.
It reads 3h33
